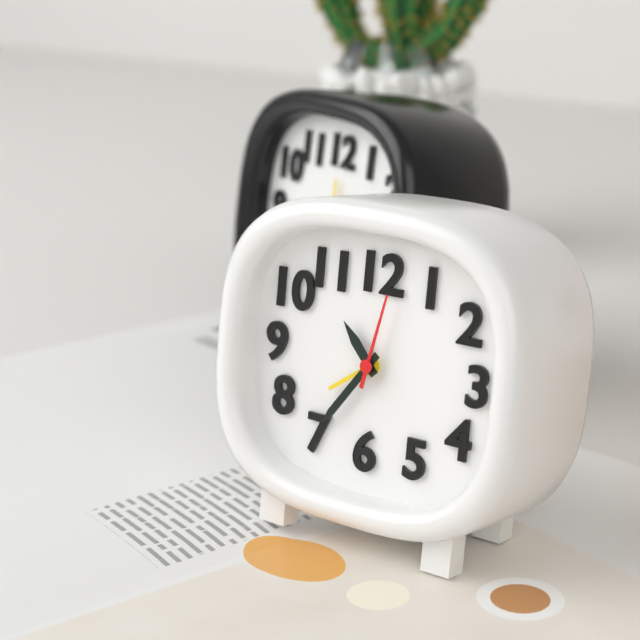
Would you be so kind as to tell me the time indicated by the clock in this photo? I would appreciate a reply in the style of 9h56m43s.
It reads 10h36m02s
